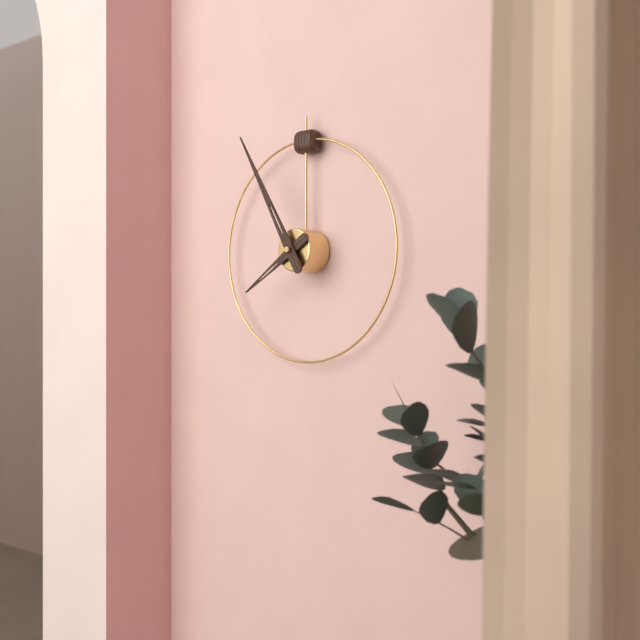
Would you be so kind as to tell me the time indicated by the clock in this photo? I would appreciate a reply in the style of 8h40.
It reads 7h55
